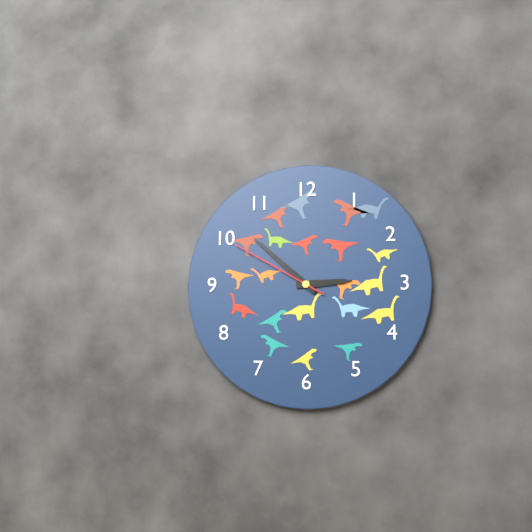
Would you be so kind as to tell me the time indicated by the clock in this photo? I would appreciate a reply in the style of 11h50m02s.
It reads 2h52m50s
